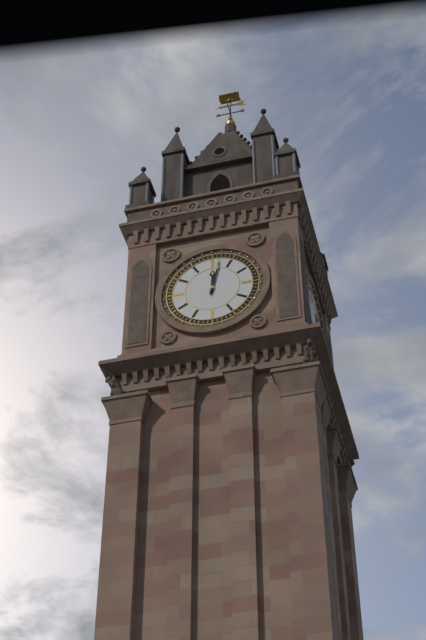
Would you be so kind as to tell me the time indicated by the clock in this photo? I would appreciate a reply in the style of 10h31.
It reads 12h02
